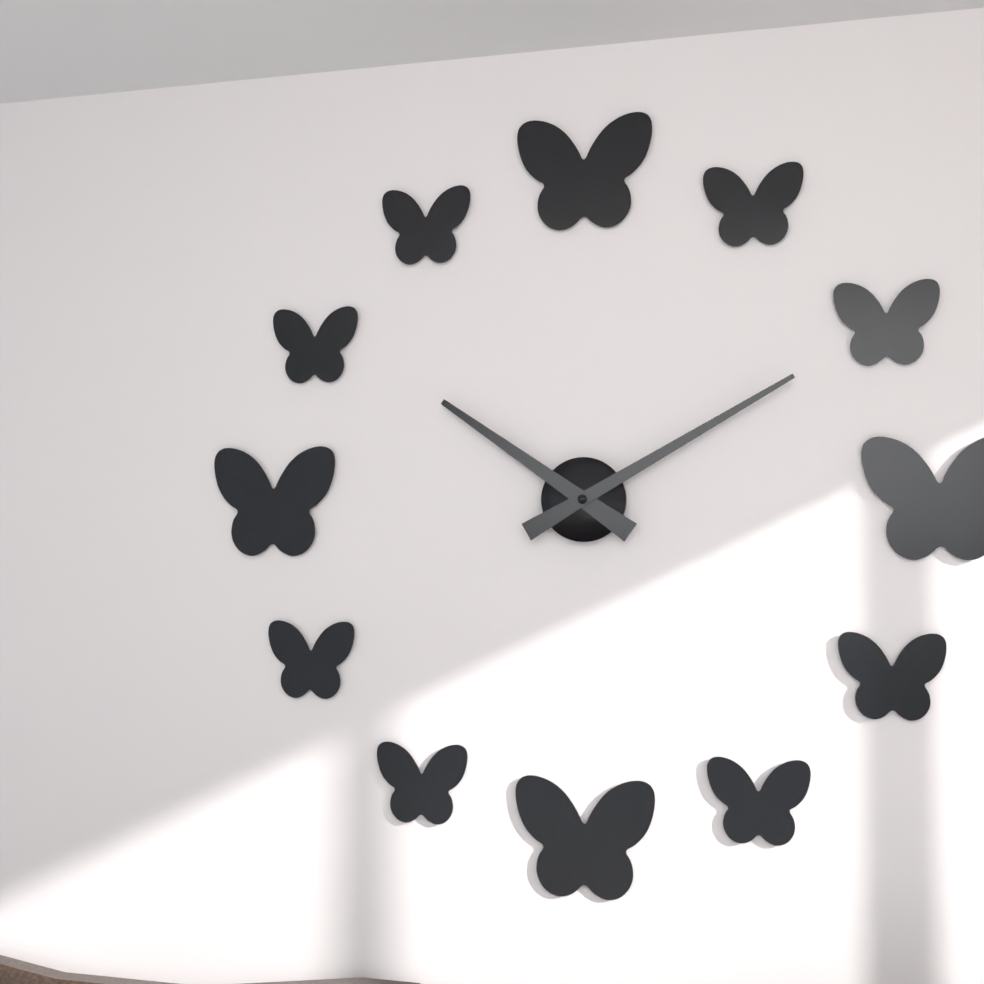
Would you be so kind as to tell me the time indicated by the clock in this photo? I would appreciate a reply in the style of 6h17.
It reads 10h10
